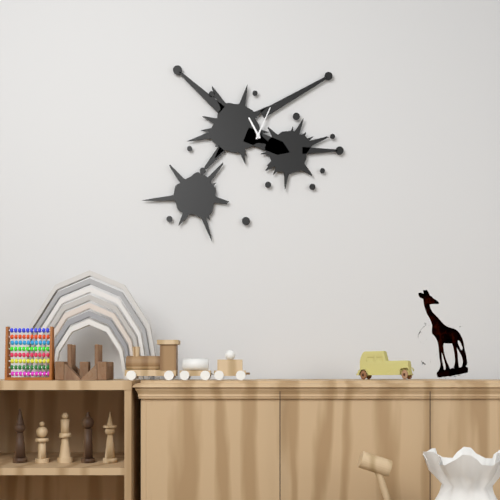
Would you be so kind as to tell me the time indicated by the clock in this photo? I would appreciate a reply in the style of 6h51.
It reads 11h04
